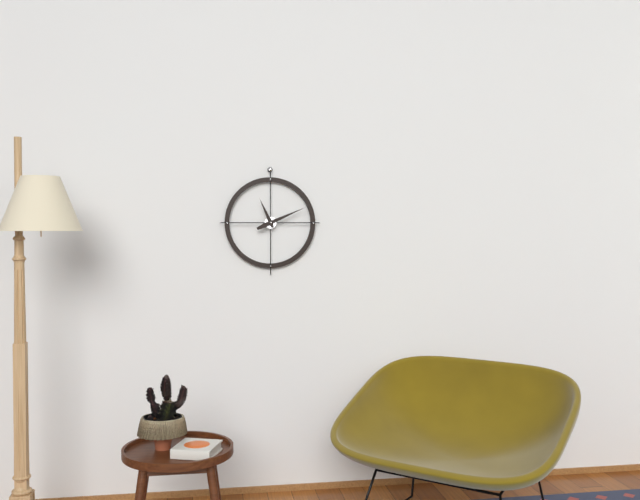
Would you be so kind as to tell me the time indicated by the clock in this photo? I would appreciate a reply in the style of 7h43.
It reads 11h11
